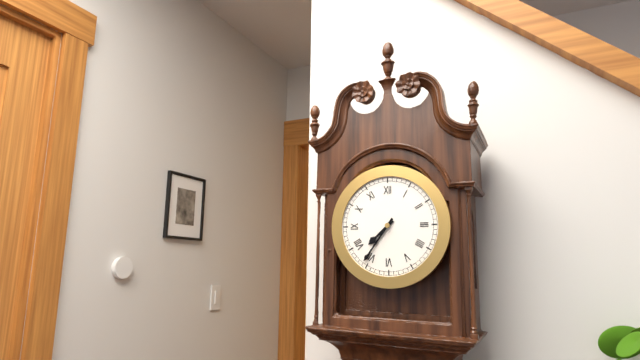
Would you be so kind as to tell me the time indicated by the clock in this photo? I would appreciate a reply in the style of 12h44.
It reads 7h36
